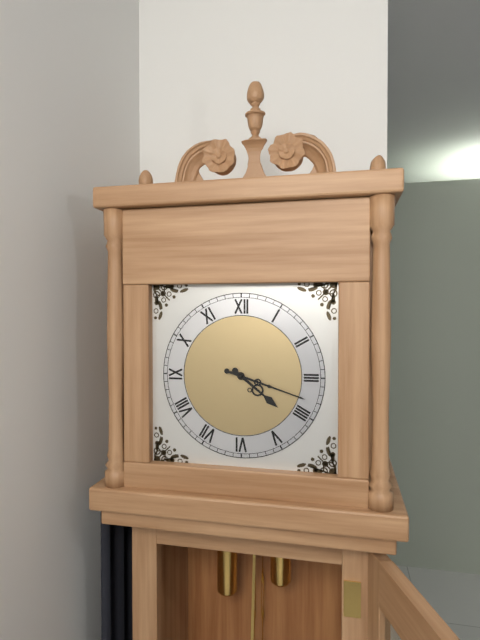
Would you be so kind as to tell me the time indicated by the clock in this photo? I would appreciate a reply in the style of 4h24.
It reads 4h18
